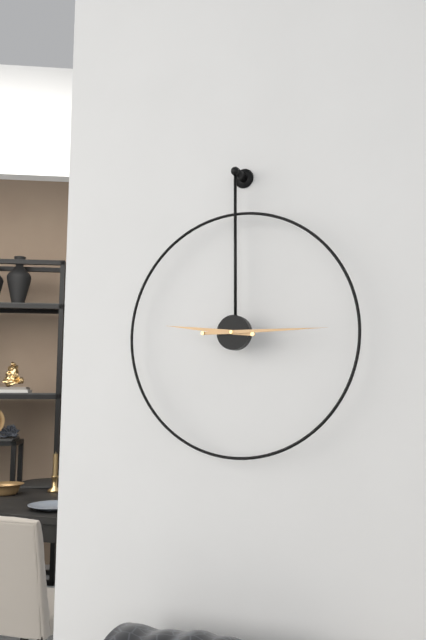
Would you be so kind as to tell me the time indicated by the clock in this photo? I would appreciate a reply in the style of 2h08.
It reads 9h15
